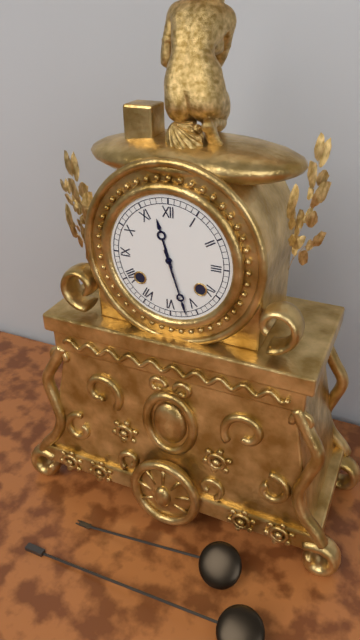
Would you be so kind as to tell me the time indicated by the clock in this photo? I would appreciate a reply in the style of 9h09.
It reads 11h27
